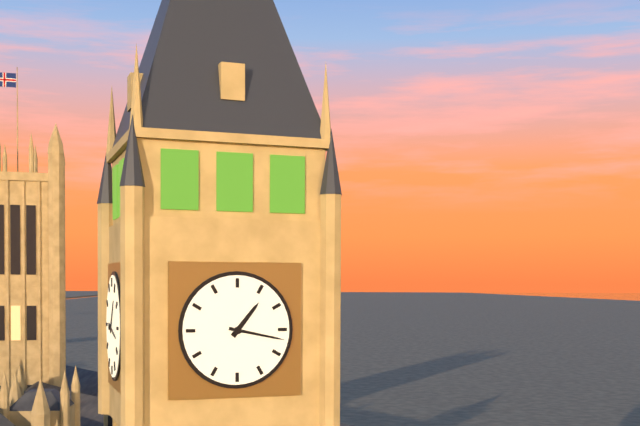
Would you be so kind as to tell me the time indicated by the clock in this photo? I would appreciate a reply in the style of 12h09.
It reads 1h17
